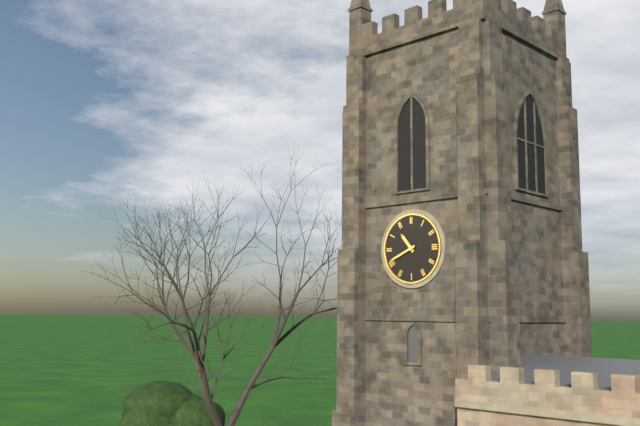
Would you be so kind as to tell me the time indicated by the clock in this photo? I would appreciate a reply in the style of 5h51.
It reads 10h41
